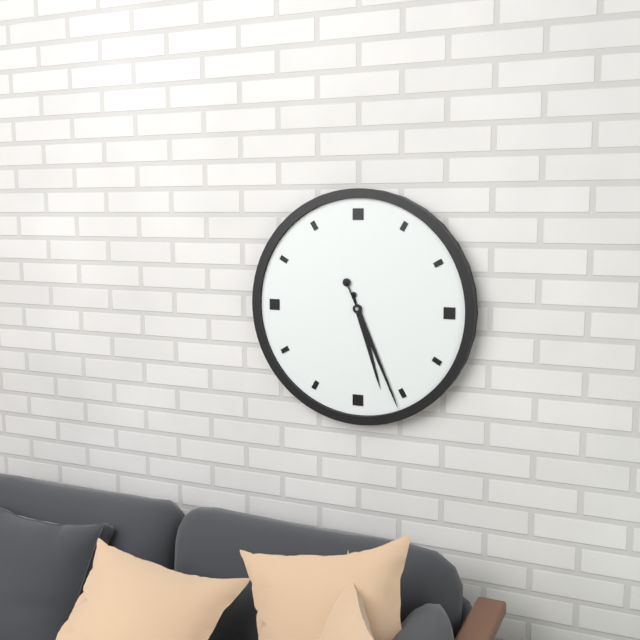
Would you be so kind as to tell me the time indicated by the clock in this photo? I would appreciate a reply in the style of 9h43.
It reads 5h26
